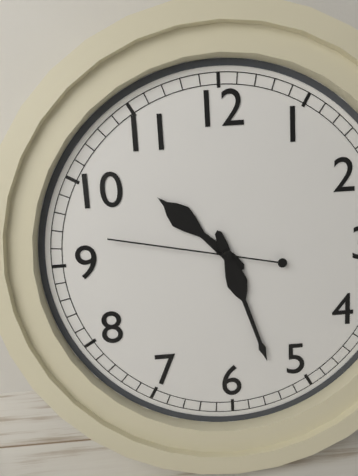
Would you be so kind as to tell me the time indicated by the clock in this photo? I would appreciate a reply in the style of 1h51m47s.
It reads 10h27m47s
